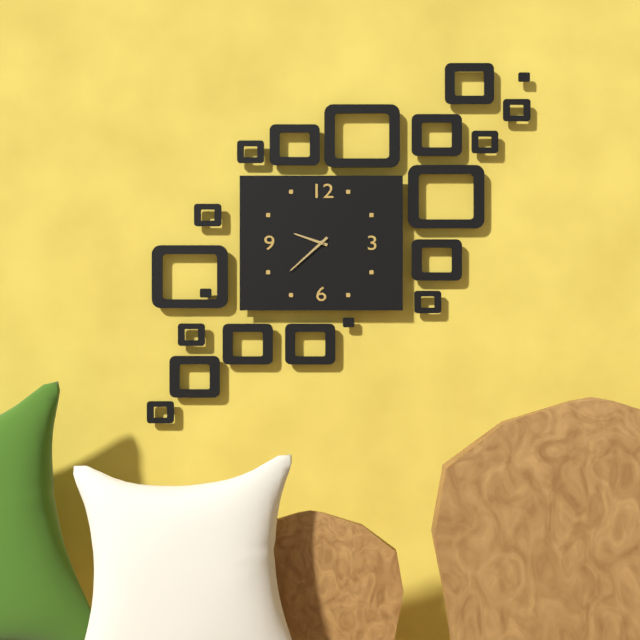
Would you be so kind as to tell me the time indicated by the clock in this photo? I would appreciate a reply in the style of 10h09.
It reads 9h38
